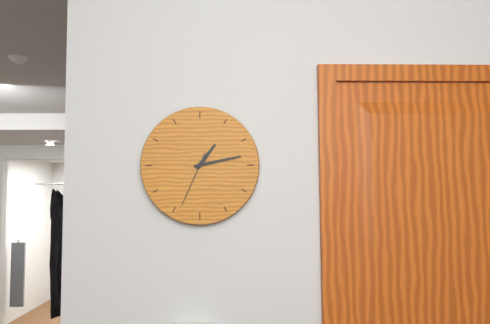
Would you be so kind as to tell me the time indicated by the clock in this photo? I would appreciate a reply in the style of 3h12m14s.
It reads 1h13m34s
